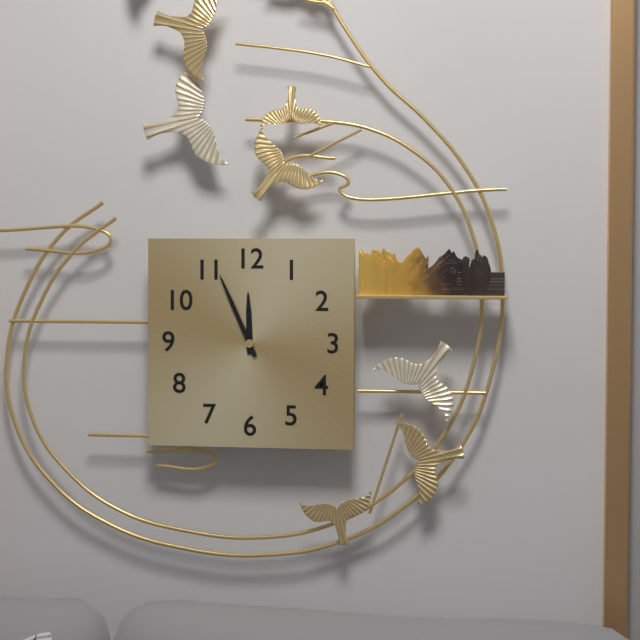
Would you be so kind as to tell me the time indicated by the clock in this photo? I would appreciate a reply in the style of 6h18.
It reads 11h56
